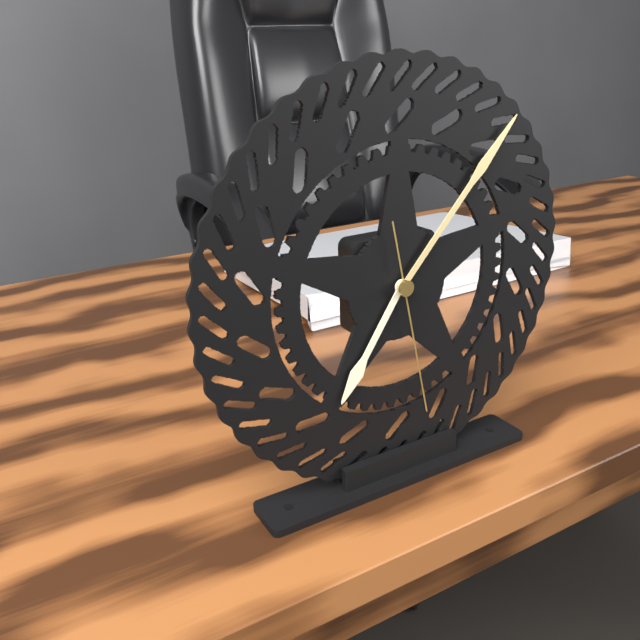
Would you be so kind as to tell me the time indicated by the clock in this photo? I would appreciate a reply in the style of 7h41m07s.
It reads 7h07m28s
